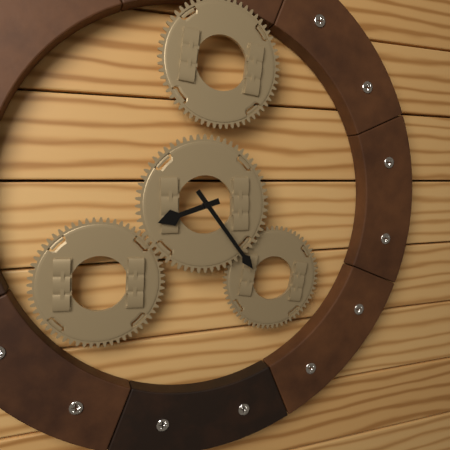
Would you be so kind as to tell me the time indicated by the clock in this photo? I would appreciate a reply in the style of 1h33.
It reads 8h24
